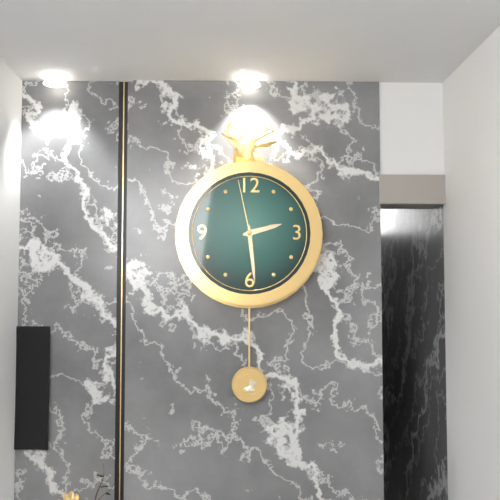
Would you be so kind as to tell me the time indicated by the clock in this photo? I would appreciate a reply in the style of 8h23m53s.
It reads 2h29m58s
